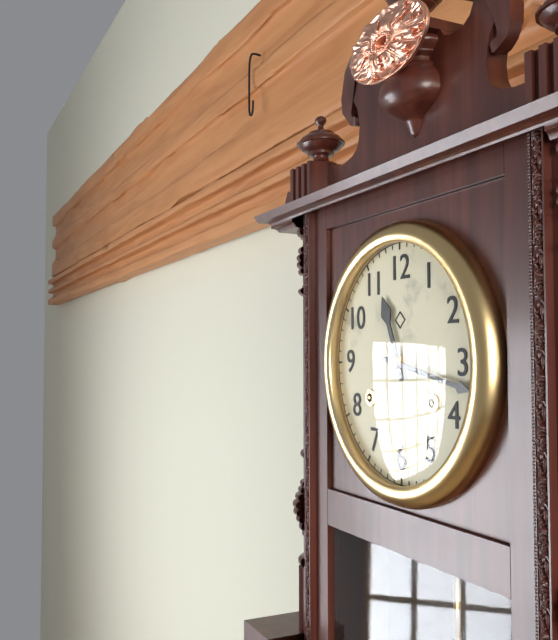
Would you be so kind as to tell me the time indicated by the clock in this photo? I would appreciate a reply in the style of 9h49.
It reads 11h17
